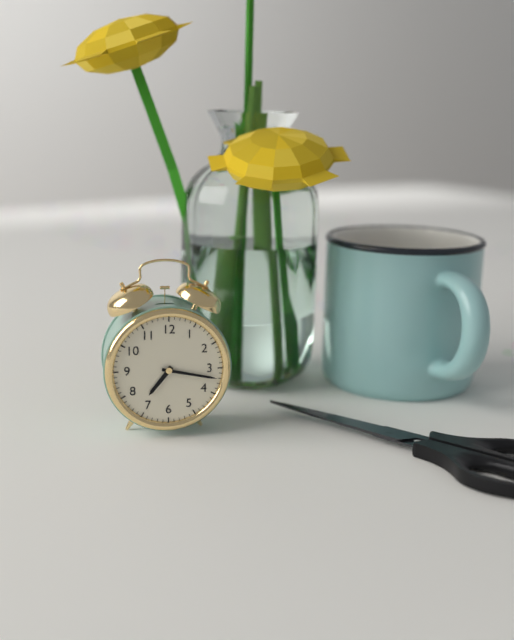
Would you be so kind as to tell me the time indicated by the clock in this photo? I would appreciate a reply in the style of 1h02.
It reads 7h17
